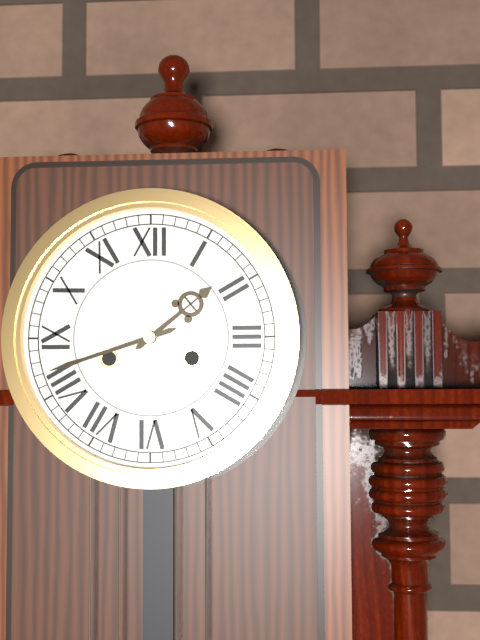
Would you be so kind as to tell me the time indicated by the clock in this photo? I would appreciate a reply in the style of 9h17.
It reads 1h42
